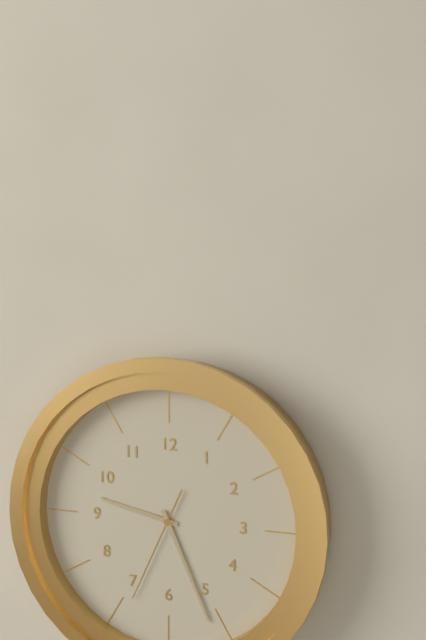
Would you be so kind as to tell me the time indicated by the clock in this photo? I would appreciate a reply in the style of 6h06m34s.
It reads 9h26m34s
